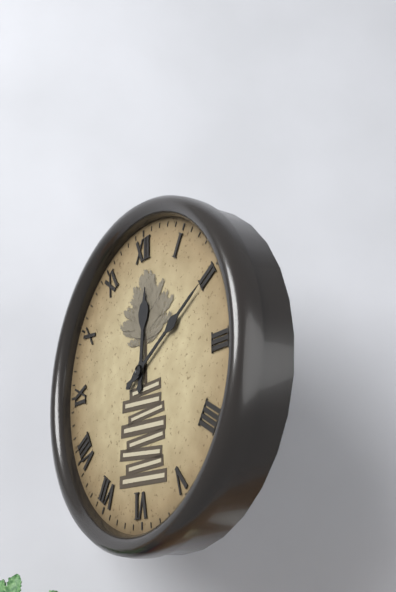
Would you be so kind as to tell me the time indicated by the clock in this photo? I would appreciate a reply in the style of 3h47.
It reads 12h10
